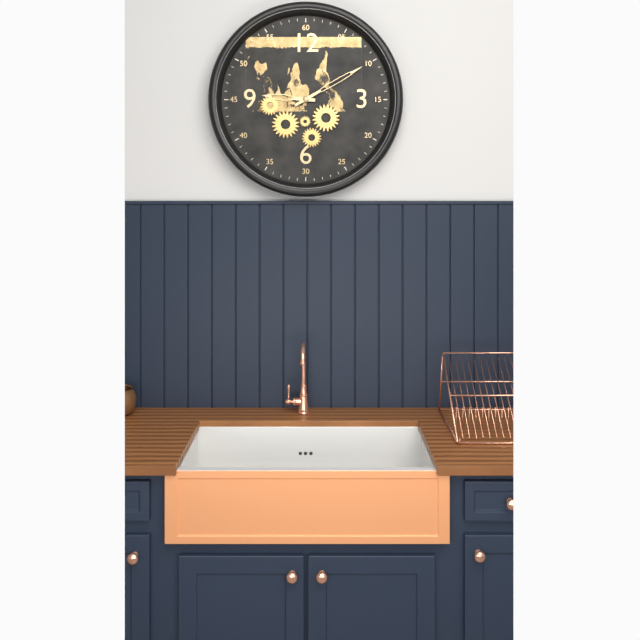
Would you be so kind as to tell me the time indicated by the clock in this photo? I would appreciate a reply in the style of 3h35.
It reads 9h10
